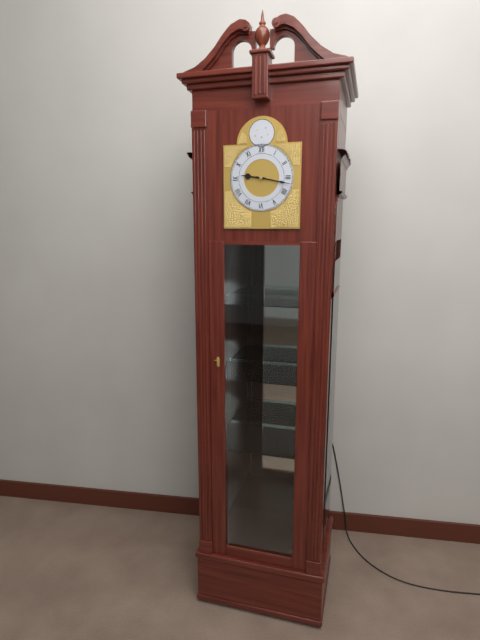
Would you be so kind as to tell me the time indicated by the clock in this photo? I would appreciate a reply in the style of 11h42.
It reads 9h17
